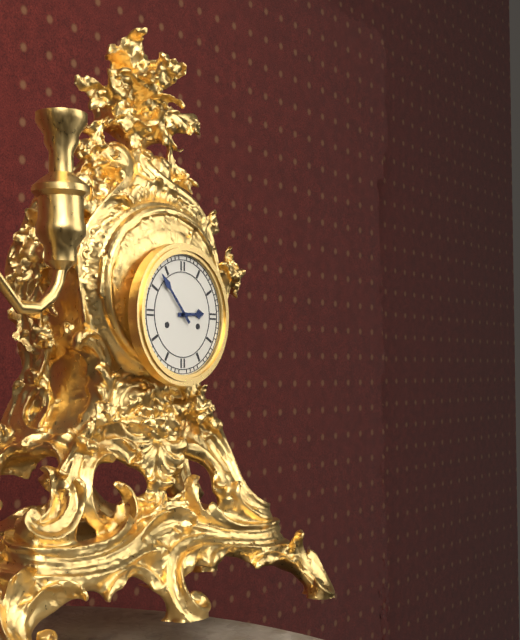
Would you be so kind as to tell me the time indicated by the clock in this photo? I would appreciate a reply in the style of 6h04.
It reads 2h53
